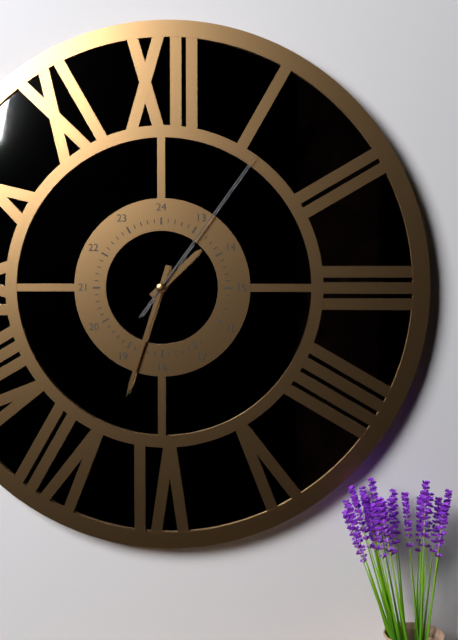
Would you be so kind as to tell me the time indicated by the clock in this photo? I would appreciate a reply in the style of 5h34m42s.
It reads 1h33m06s
